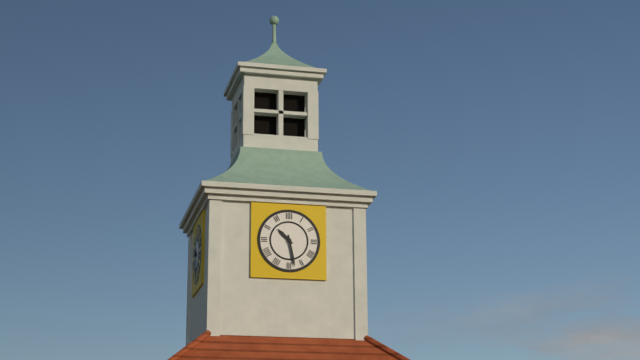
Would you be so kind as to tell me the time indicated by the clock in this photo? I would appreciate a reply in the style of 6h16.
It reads 10h28
